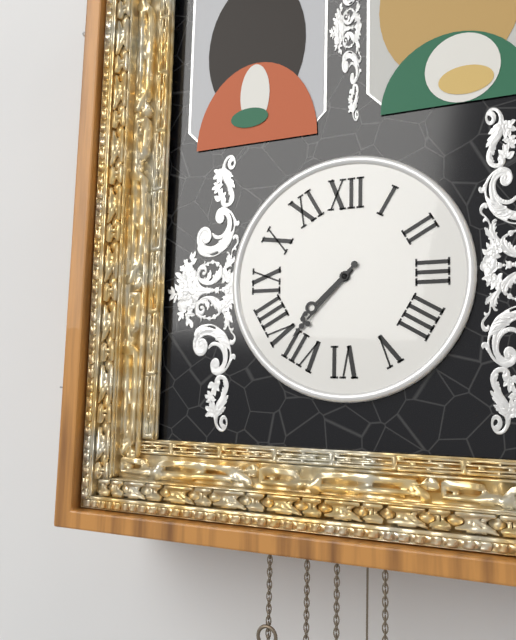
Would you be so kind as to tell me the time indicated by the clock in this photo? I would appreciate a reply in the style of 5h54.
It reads 7h37
